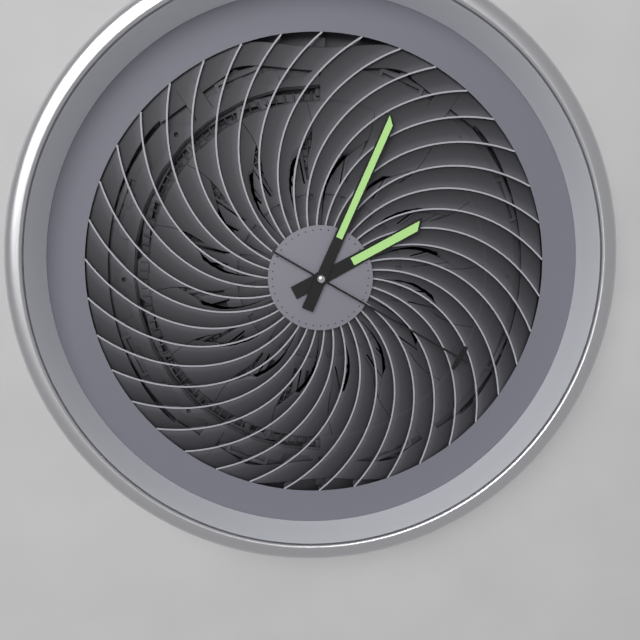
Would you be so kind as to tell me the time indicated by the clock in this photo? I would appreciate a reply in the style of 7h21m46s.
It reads 2h04m20s
